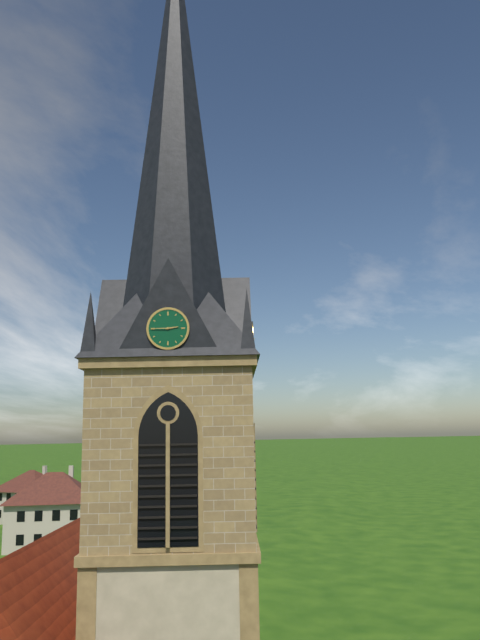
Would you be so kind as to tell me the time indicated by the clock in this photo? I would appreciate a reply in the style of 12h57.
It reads 2h45
